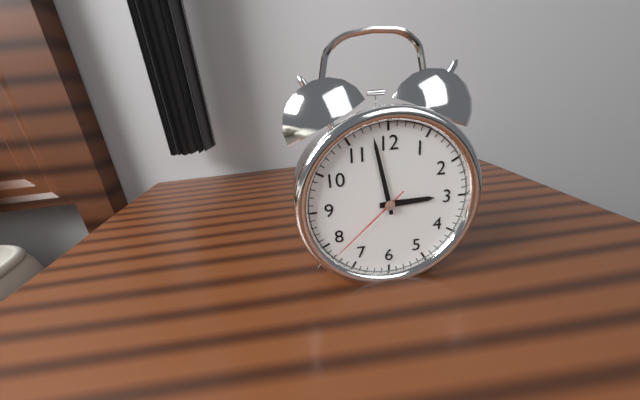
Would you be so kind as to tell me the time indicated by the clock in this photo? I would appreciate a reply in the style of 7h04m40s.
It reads 2h58m38s
